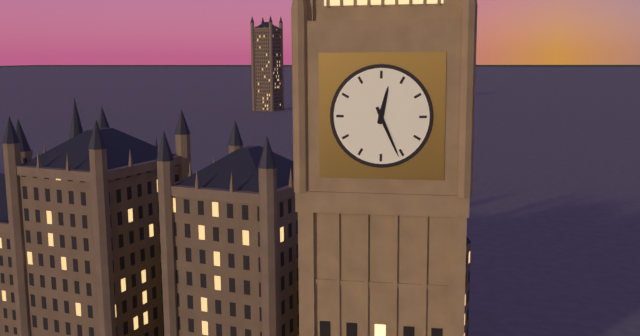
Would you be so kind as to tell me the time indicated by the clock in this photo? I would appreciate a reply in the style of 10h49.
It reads 12h26
